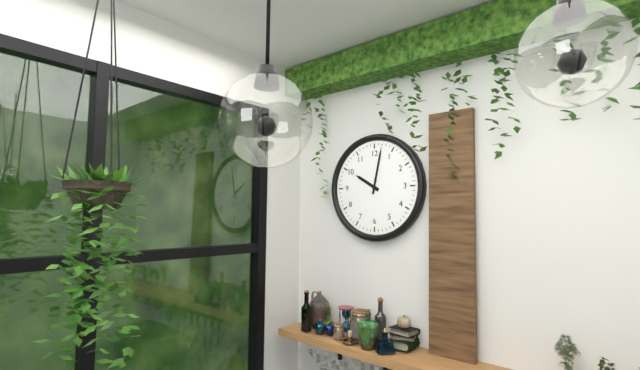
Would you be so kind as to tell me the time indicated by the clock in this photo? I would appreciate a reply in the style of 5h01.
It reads 10h02
